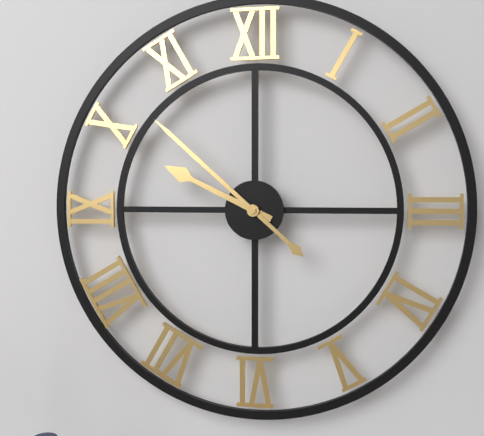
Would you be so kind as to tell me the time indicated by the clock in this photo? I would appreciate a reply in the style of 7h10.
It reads 9h52
